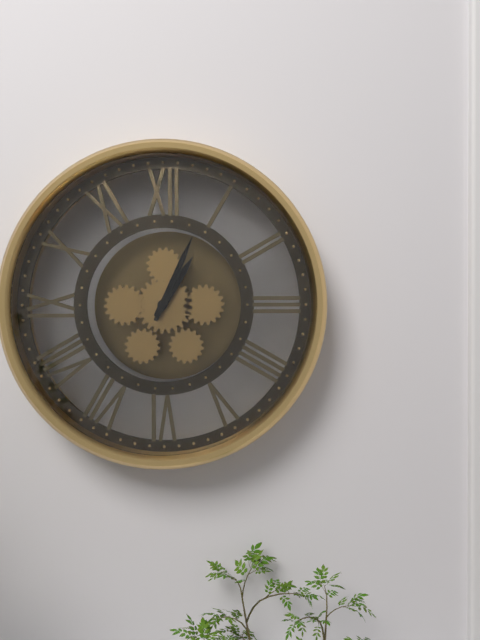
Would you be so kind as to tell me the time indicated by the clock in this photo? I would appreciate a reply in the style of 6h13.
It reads 1h04
